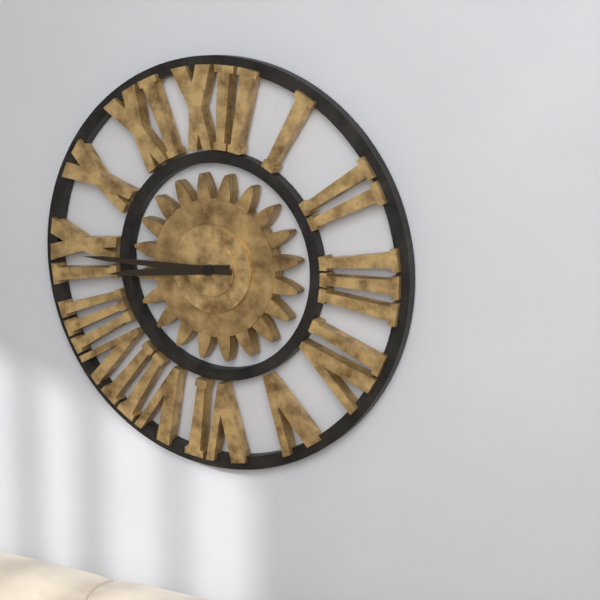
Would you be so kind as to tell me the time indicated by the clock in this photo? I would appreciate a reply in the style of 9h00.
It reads 8h45
